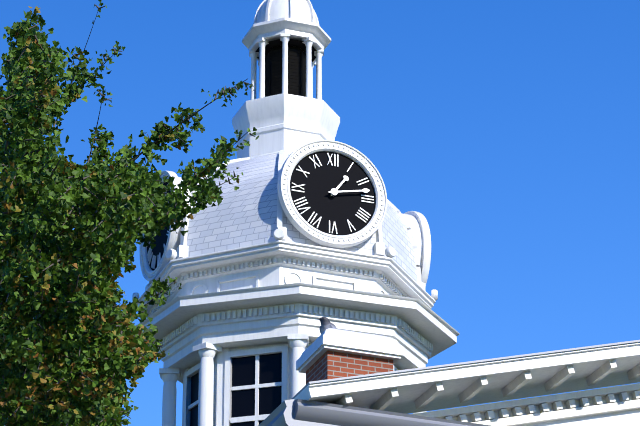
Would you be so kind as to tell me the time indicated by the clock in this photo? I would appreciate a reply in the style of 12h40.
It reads 1h13
